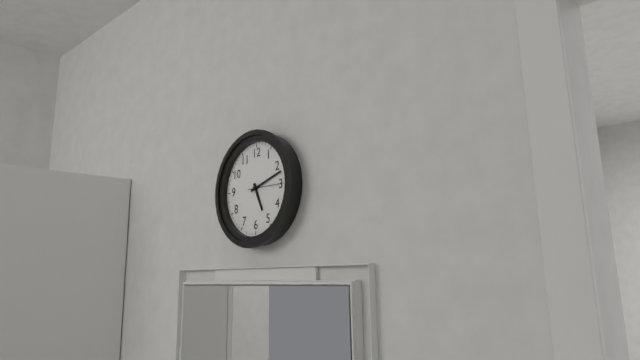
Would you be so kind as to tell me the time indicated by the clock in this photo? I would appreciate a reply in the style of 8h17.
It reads 5h12
